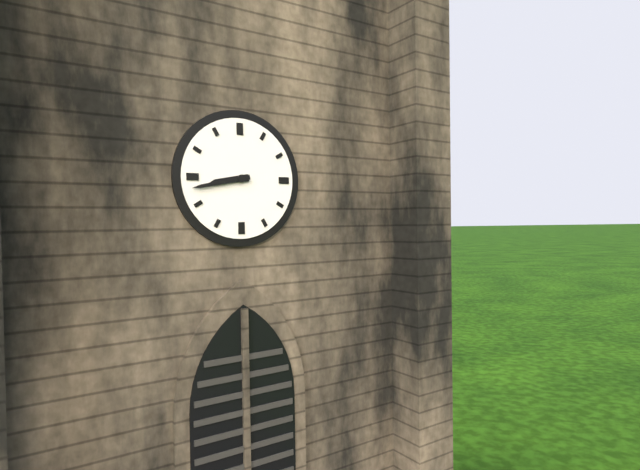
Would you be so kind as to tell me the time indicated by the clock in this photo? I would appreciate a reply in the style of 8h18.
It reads 8h43
